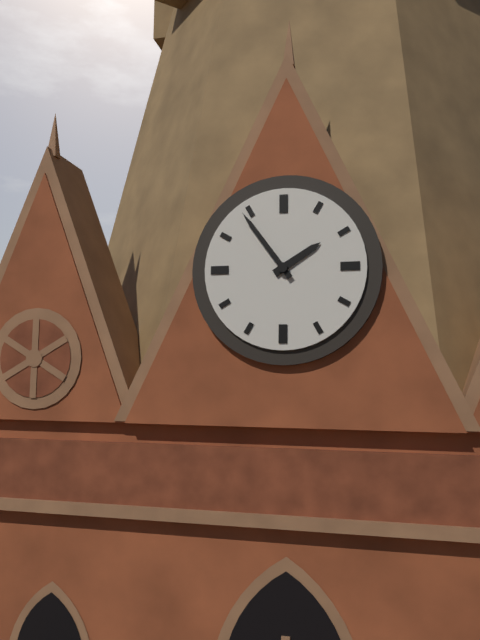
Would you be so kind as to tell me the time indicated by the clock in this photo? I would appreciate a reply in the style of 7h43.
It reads 1h54
